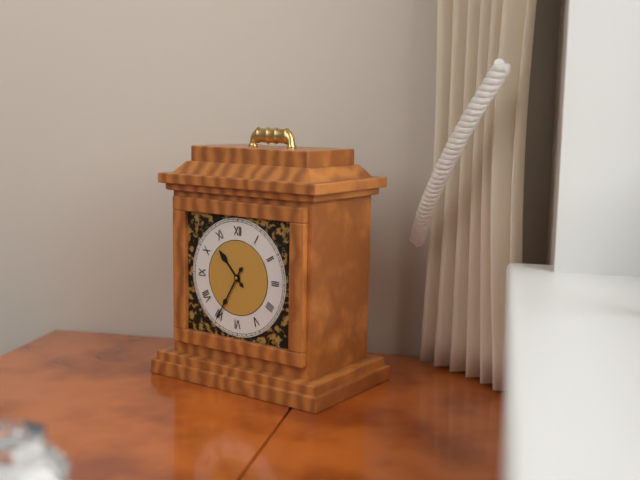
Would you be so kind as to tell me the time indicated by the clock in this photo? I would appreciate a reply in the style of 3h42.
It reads 10h35
